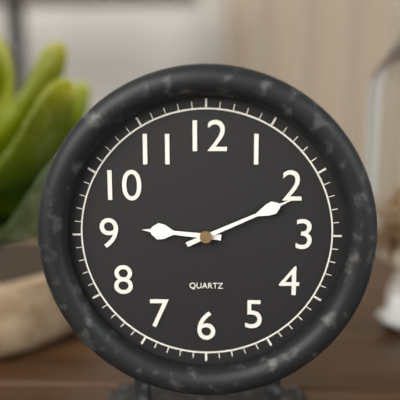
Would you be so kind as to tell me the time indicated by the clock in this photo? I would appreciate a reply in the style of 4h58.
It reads 9h11
